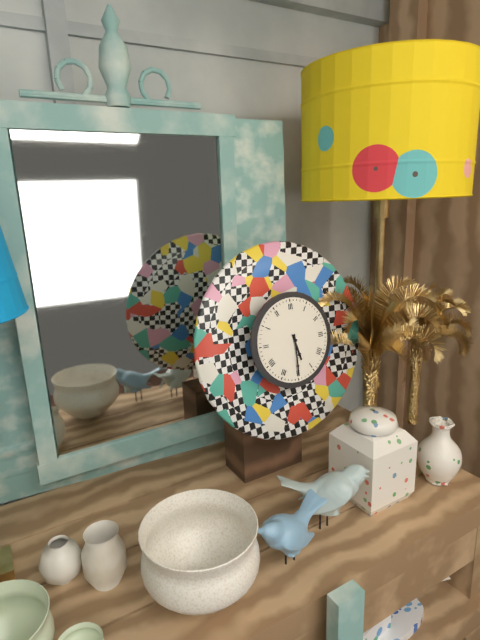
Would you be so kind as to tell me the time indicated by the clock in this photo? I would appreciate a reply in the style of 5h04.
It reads 5h30
